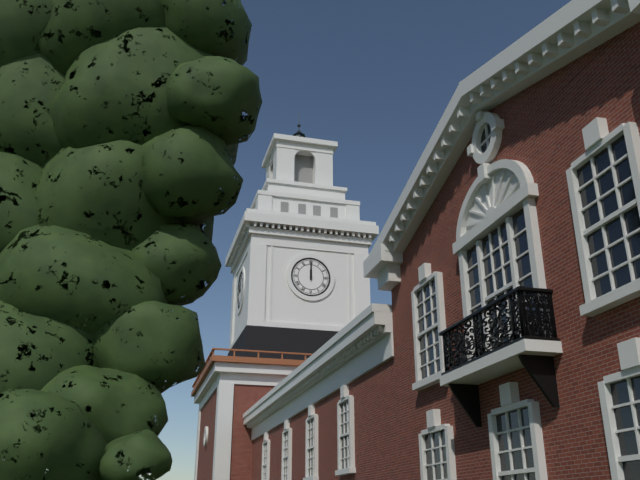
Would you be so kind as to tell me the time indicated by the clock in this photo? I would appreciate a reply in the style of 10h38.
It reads 12h00
